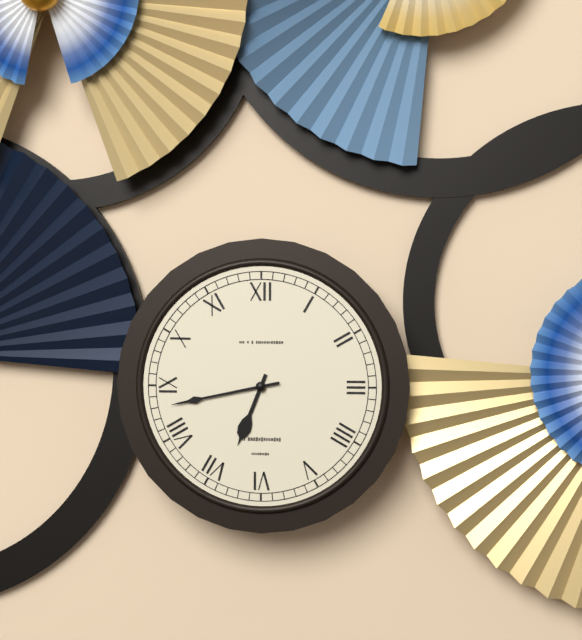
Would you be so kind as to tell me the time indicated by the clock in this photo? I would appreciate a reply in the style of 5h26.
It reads 6h43
